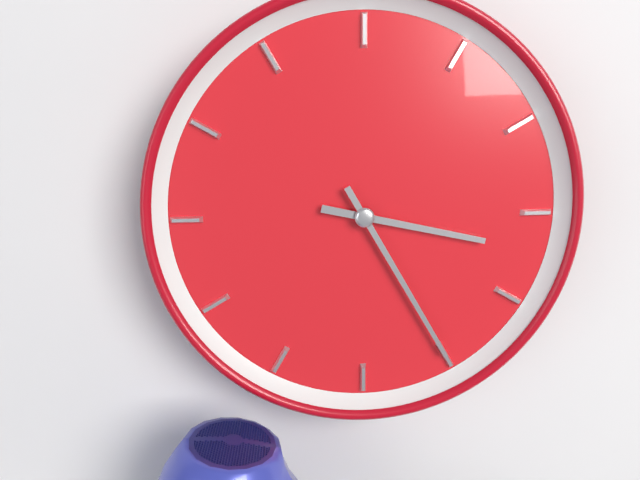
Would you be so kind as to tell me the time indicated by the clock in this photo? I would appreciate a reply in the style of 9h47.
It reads 3h25
